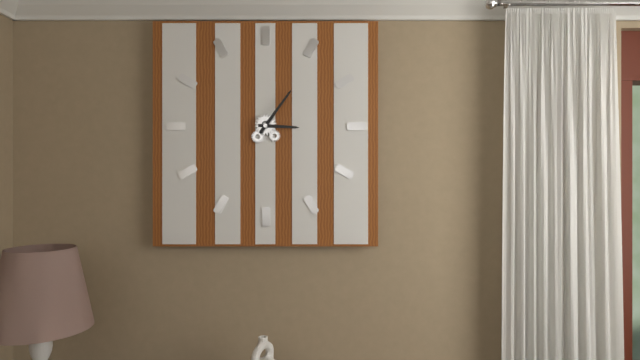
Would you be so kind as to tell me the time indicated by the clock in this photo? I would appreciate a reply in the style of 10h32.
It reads 3h06
